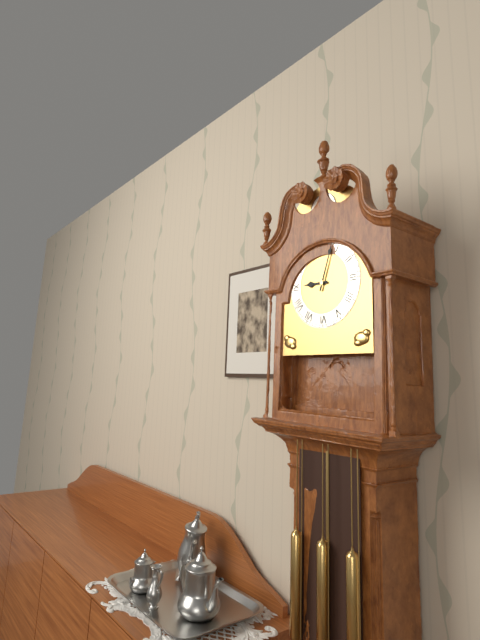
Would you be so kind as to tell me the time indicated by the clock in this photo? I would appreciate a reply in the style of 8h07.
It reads 9h03
